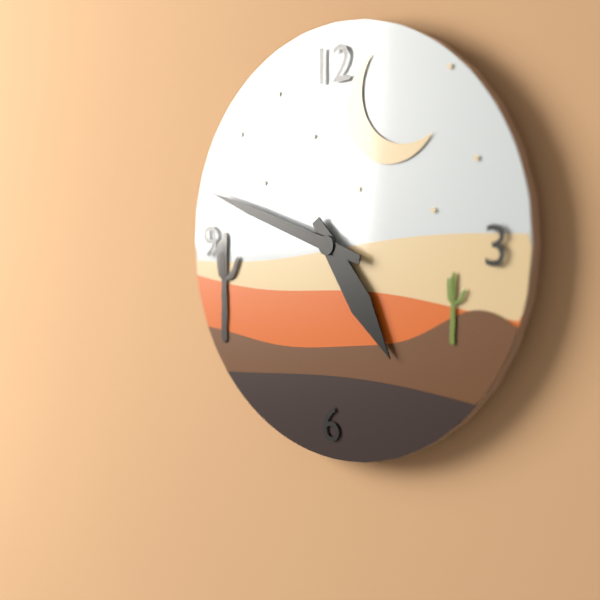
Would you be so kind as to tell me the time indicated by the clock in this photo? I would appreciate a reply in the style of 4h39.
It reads 4h48
